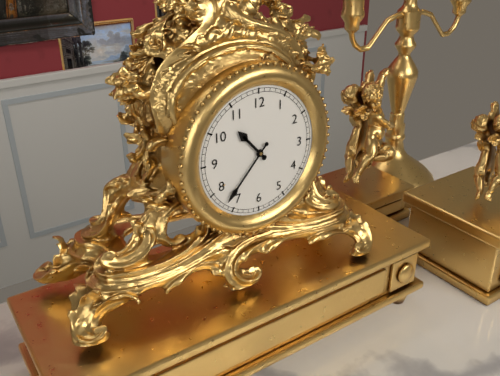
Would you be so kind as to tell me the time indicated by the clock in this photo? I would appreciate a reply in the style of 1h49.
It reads 10h37
